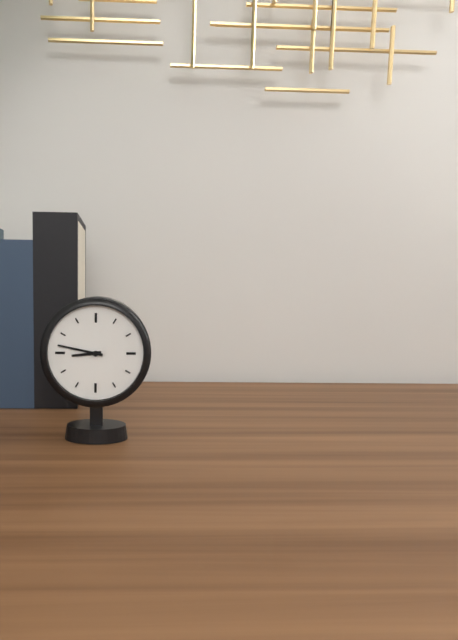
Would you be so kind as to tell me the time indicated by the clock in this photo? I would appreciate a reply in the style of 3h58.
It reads 8h47
